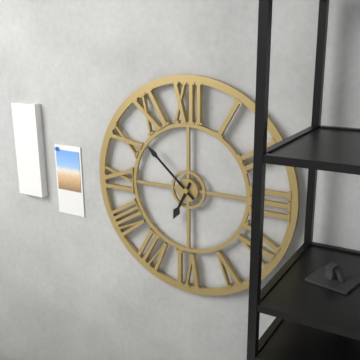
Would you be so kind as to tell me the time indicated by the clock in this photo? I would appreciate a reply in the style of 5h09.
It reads 6h52
